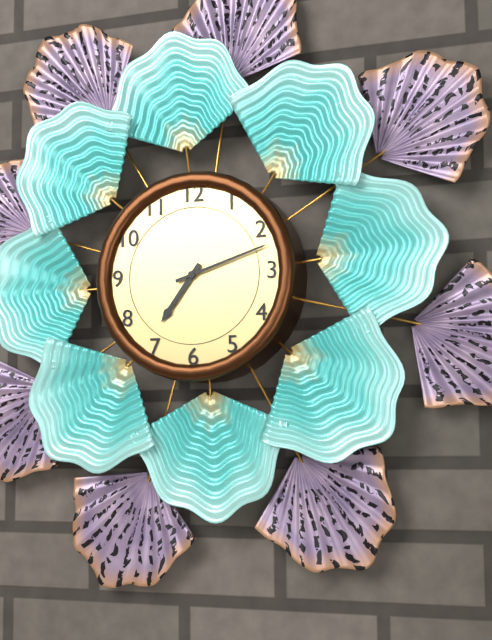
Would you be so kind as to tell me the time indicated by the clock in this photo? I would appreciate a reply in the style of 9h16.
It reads 7h12
